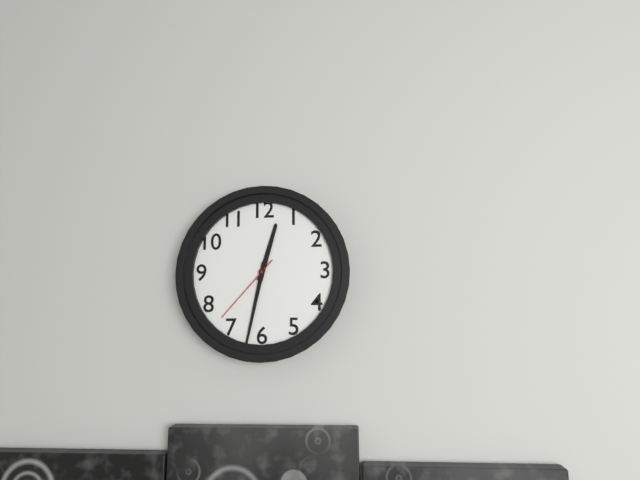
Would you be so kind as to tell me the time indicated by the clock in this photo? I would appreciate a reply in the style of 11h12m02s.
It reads 12h32m37s
